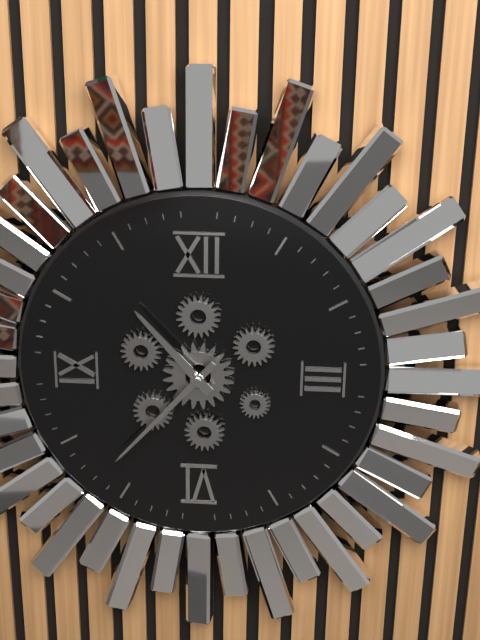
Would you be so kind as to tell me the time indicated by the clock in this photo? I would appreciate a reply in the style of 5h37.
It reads 10h37
